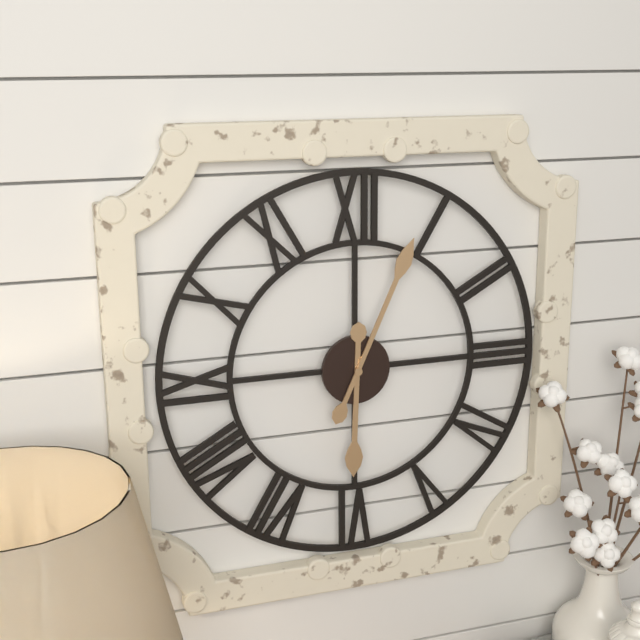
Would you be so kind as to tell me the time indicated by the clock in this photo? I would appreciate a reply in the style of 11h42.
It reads 6h04
